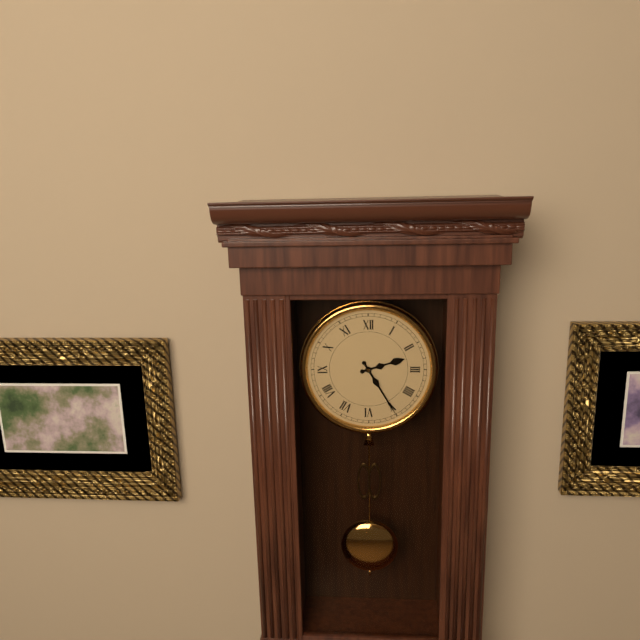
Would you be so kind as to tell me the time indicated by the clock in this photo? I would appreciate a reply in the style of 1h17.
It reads 2h25
